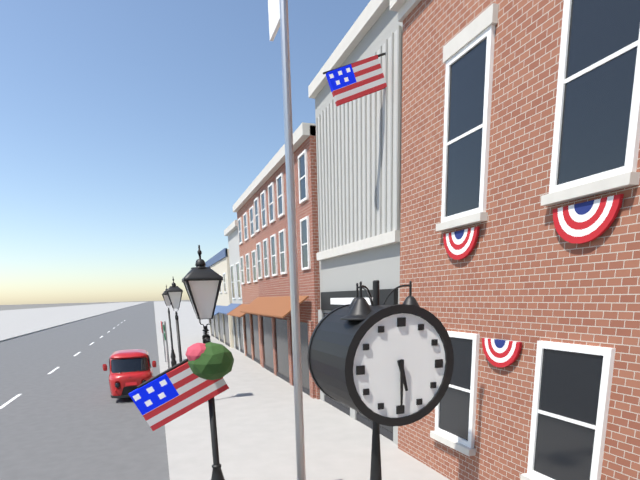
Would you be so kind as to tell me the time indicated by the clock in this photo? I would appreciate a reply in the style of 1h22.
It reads 5h30
